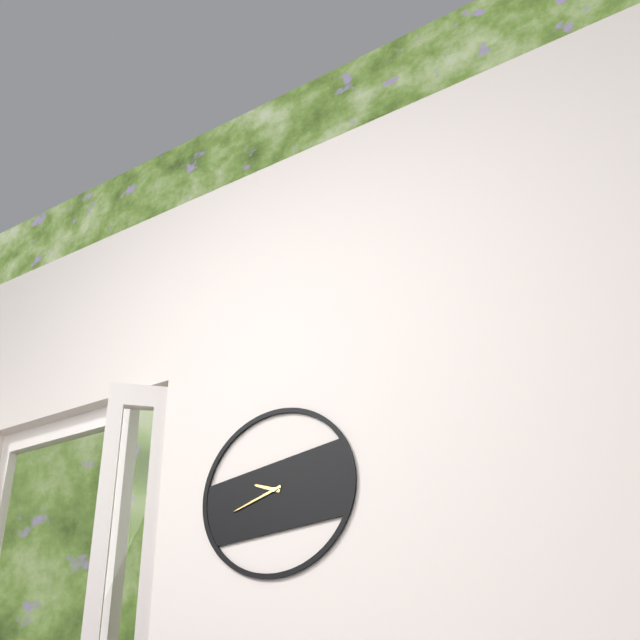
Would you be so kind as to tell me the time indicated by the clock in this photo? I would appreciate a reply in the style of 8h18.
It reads 9h42
